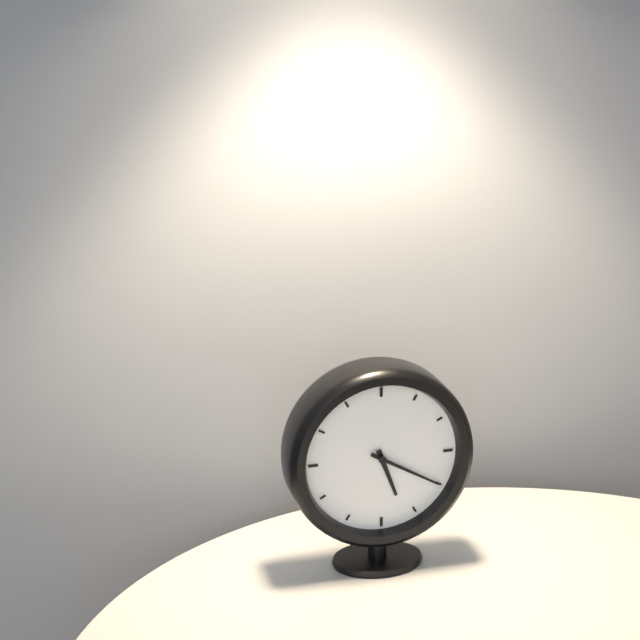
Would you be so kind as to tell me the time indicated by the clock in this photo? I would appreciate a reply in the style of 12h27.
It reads 5h20
